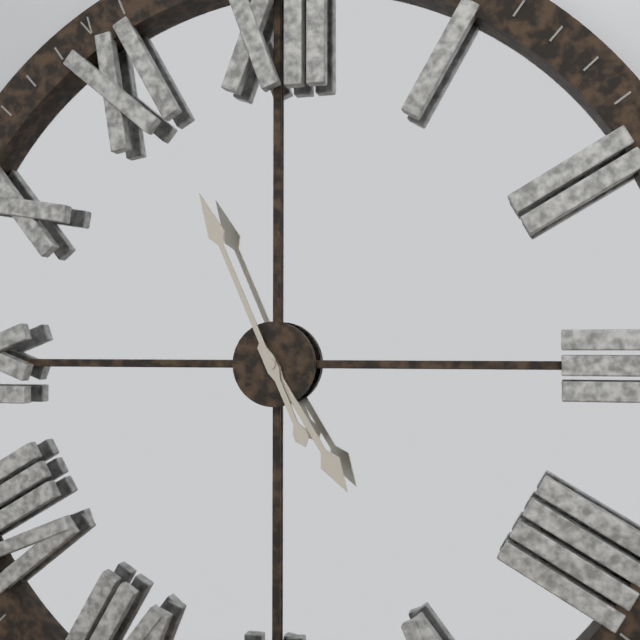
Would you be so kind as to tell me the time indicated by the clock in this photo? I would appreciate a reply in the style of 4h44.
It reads 4h56
